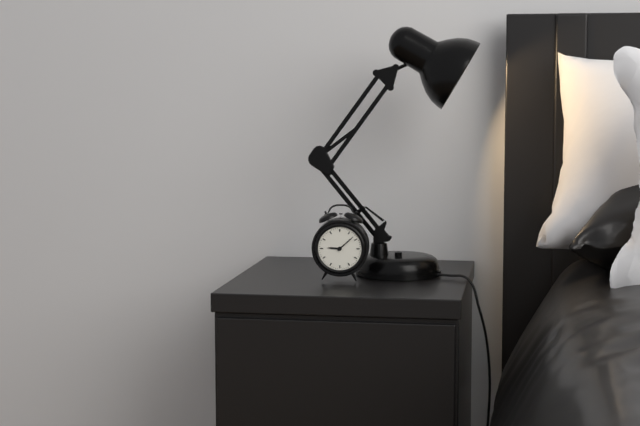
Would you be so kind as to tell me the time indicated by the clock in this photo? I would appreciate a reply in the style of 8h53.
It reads 9h08
